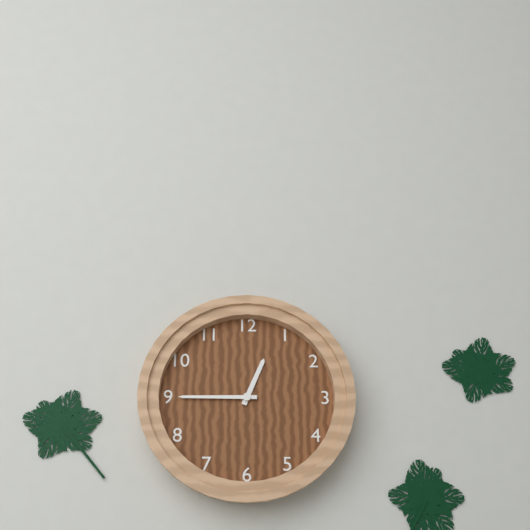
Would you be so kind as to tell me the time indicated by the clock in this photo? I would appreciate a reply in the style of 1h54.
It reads 12h45
